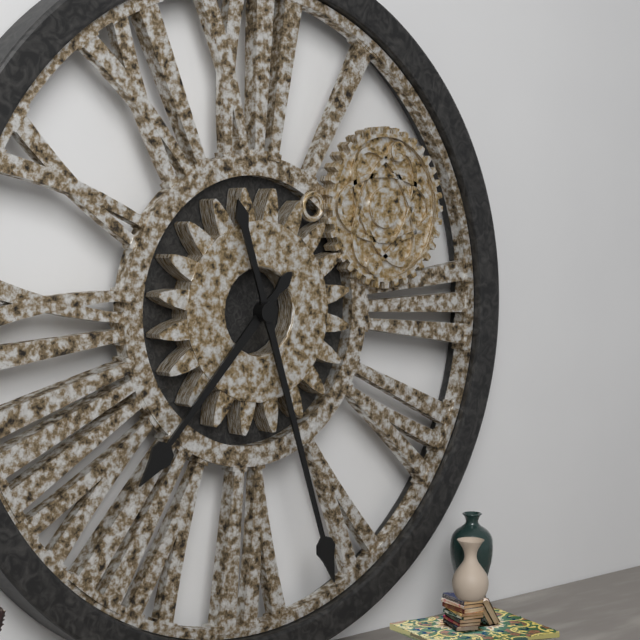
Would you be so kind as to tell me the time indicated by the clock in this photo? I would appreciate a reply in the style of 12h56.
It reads 7h27
